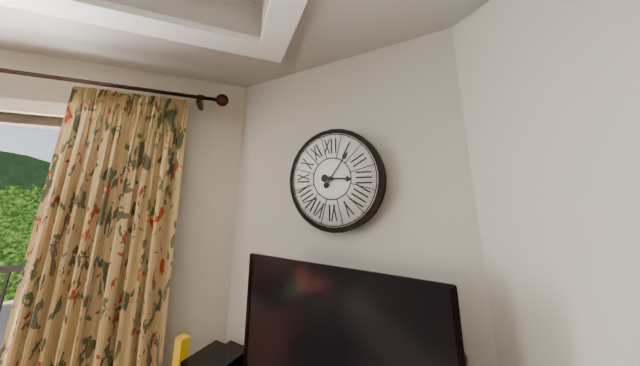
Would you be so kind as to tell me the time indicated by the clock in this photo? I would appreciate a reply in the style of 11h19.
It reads 3h06
